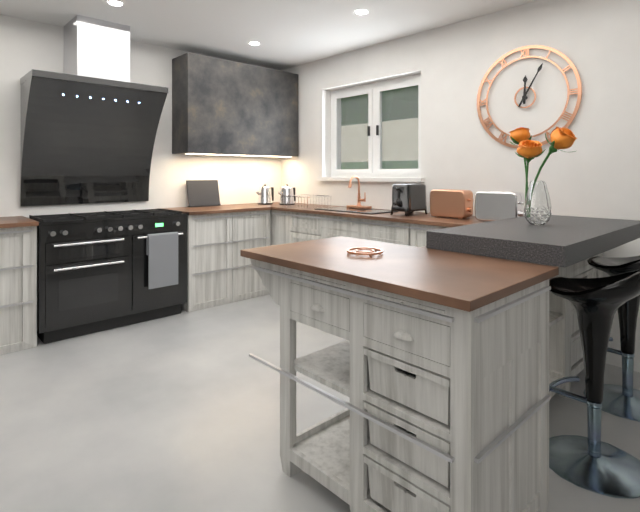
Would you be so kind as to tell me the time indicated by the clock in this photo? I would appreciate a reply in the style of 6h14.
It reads 12h05
